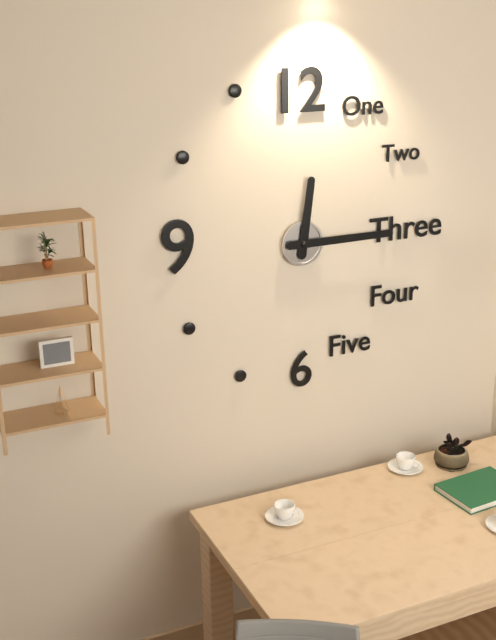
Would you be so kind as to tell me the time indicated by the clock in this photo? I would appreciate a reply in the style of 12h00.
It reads 12h15
